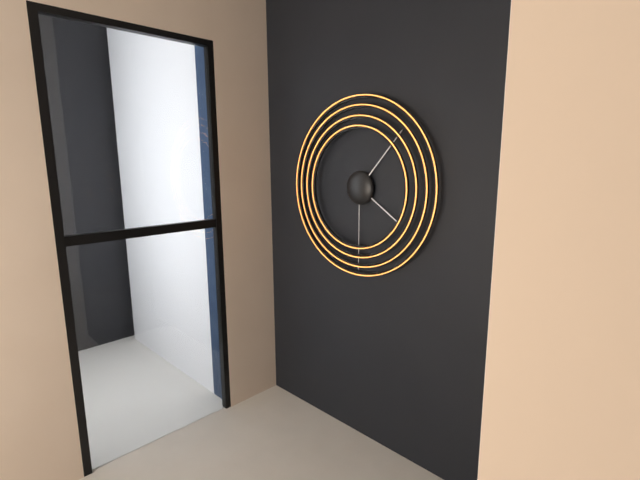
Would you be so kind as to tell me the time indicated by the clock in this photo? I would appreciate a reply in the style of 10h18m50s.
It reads 4h07m30s
